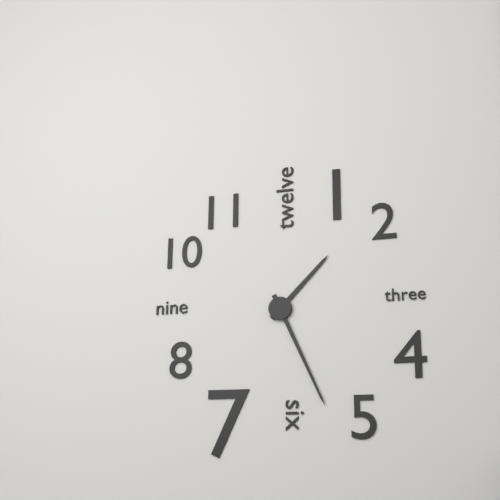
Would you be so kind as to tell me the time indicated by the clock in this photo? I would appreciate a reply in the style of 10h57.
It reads 1h26
